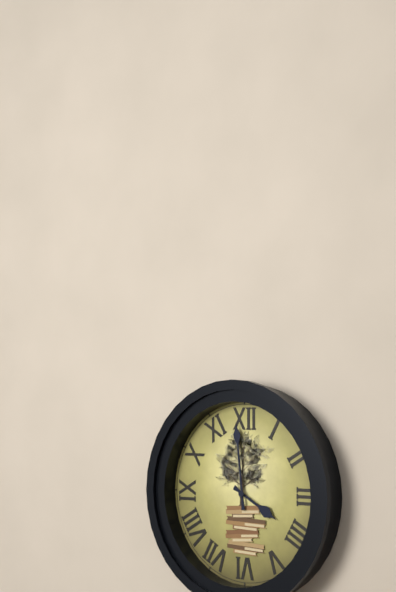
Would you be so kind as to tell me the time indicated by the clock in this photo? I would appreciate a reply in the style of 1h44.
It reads 3h59
